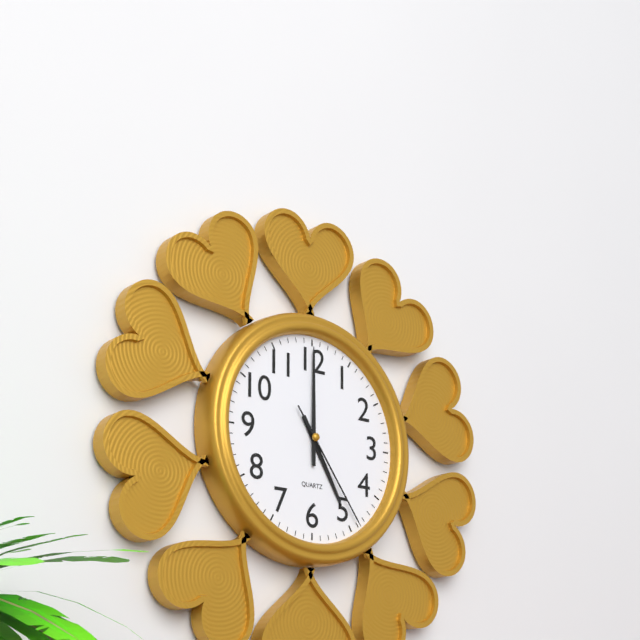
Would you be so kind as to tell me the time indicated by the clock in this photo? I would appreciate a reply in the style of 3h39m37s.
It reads 5h00m24s
